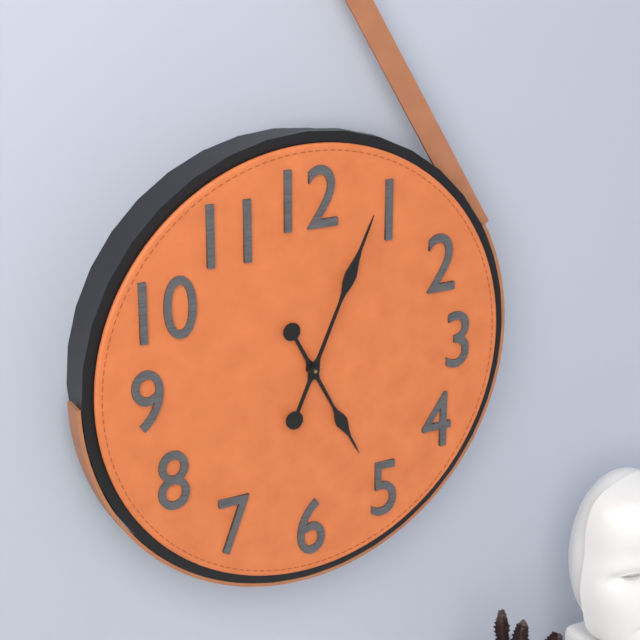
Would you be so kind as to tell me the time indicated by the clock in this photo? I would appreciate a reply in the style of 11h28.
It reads 5h04
